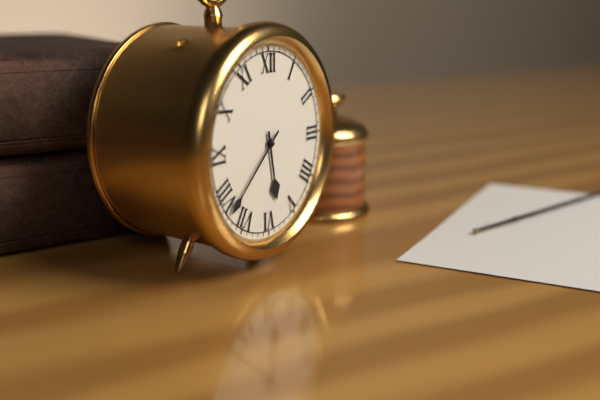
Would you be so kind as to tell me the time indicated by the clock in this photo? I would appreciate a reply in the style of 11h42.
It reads 5h38
